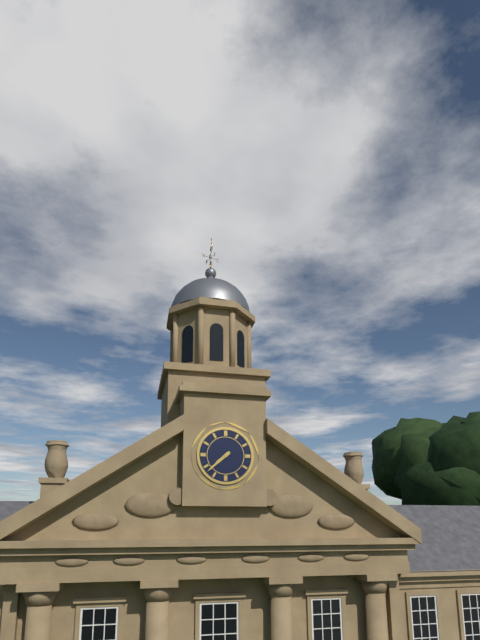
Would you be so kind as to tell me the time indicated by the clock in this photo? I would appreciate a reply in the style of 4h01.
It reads 7h38
